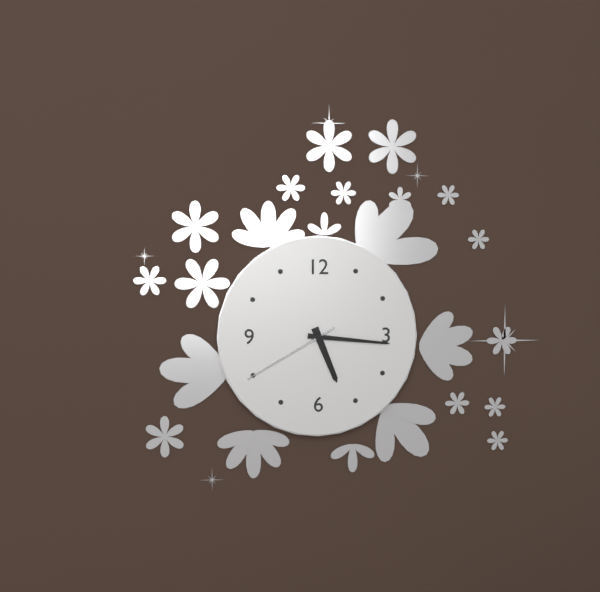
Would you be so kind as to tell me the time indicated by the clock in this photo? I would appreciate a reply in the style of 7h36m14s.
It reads 5h16m40s
